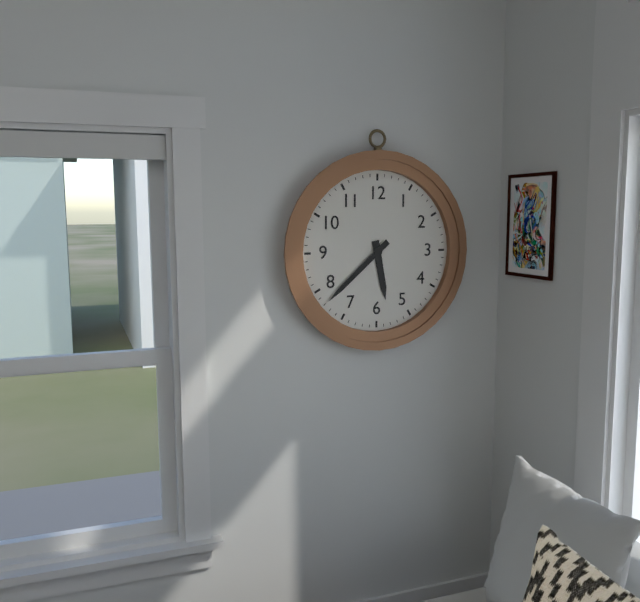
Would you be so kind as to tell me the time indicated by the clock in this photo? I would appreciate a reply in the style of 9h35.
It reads 5h38
